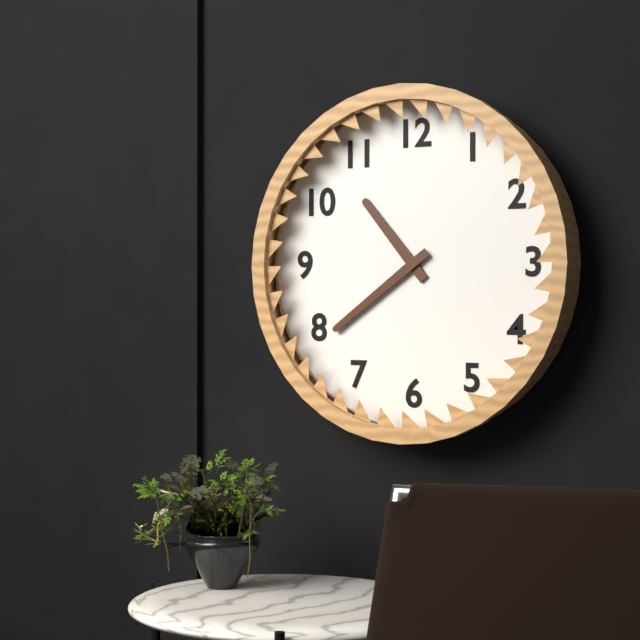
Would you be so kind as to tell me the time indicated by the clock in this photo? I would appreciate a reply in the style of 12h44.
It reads 10h39
